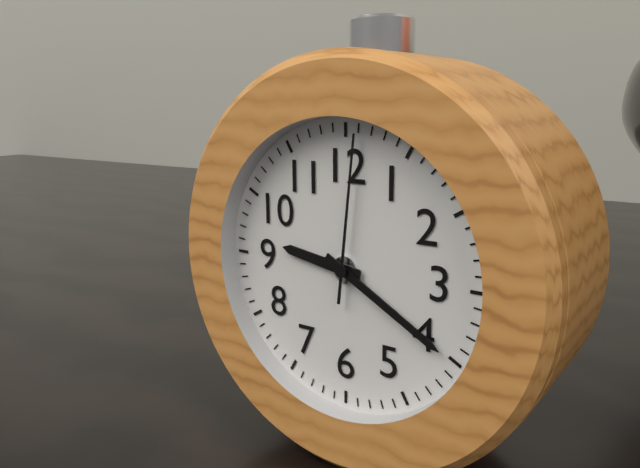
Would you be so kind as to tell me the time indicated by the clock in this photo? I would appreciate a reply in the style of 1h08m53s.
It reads 9h20m01s
